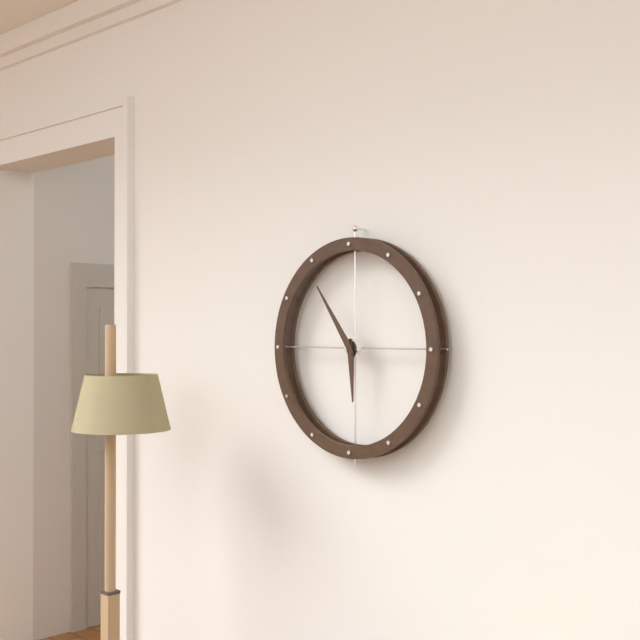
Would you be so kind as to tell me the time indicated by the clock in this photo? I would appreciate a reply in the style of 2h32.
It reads 5h54
